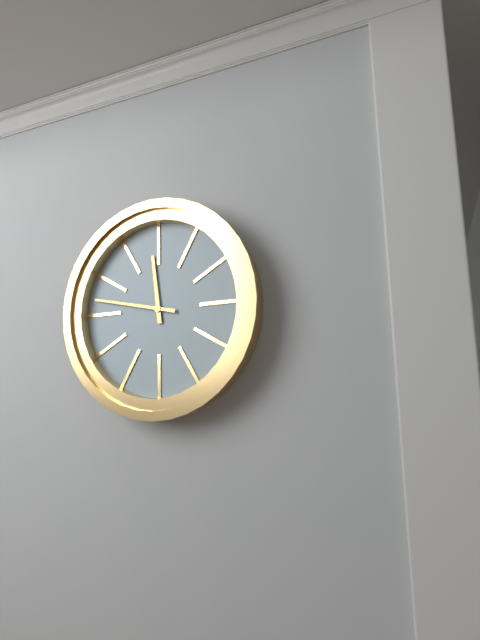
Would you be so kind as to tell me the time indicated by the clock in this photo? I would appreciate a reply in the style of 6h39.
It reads 11h47
